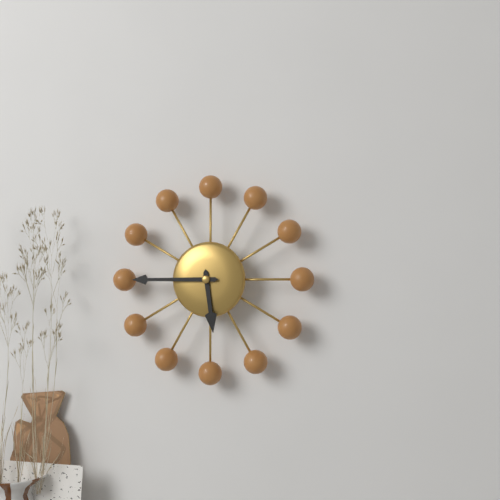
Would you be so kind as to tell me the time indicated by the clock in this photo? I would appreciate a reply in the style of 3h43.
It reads 5h45
